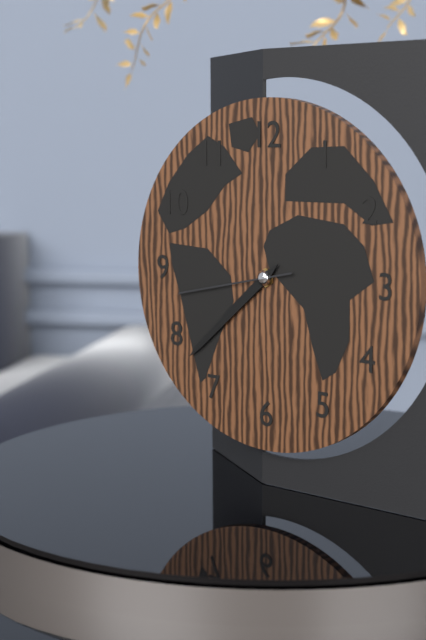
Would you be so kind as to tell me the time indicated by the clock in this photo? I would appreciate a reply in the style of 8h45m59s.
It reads 7h38m43s
